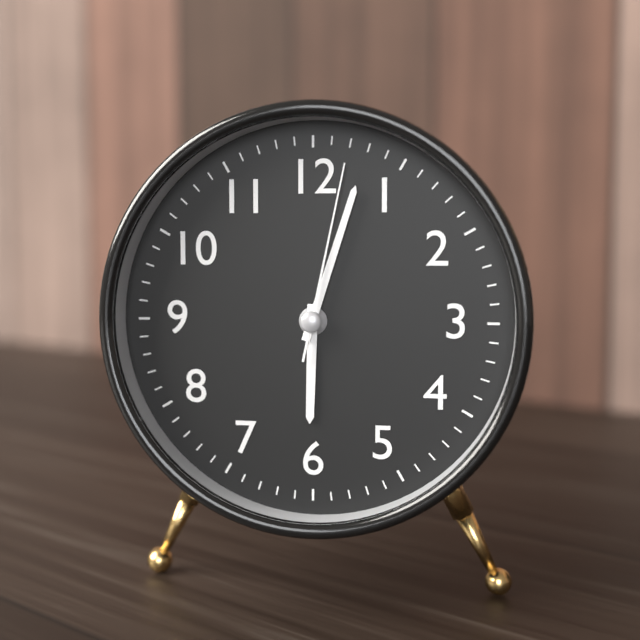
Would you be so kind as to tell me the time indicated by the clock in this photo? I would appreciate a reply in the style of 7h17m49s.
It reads 6h03m02s
